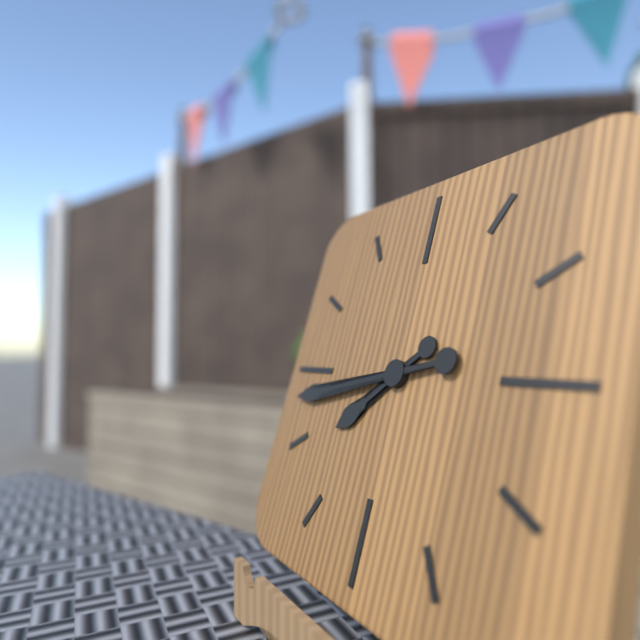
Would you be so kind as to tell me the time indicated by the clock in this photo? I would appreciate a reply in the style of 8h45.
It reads 7h43
